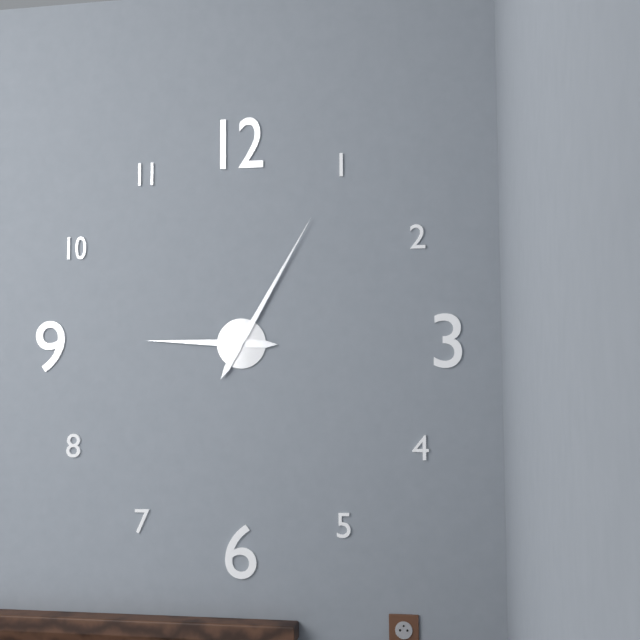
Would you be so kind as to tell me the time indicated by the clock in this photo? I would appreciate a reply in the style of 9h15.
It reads 9h05
